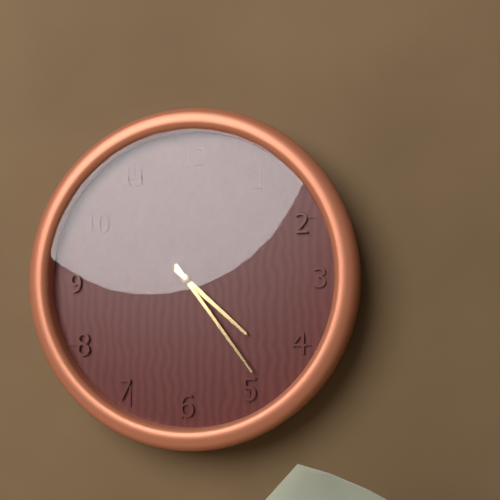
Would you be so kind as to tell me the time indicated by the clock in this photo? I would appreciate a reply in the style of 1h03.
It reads 4h24
